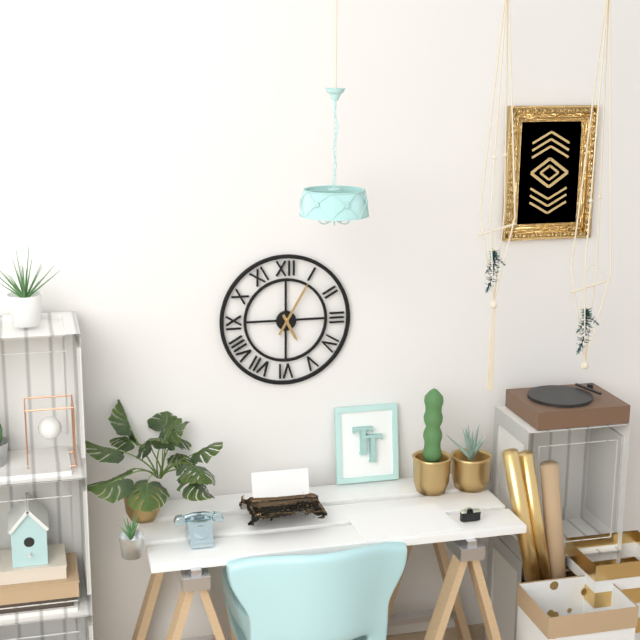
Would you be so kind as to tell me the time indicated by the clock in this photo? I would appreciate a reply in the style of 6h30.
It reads 5h05
